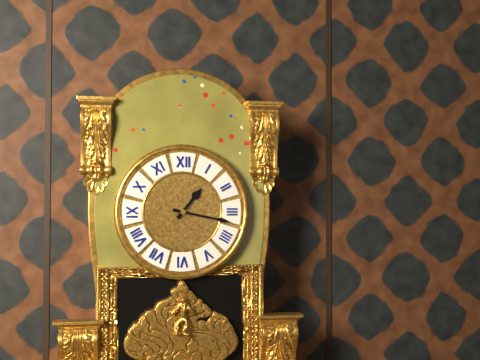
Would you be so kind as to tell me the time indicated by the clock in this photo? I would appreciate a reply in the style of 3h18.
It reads 1h17
